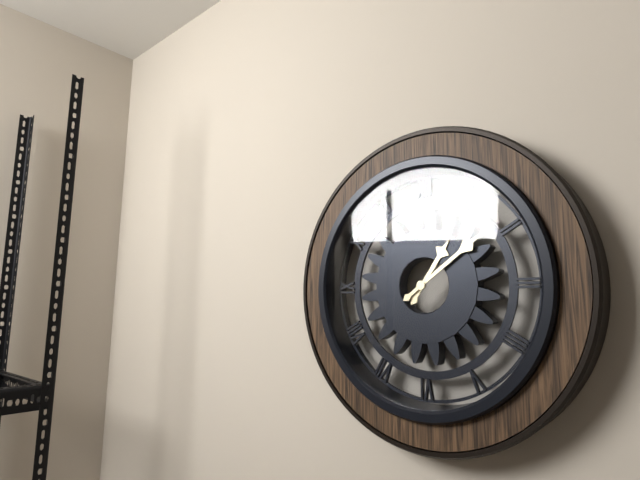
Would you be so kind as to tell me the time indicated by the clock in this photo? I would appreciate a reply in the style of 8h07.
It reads 1h09
